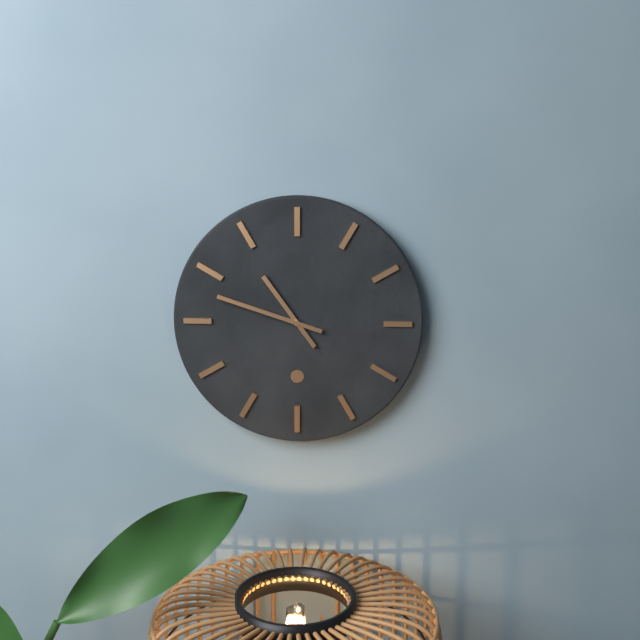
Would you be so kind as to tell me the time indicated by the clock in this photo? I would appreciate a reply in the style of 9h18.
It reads 10h48
